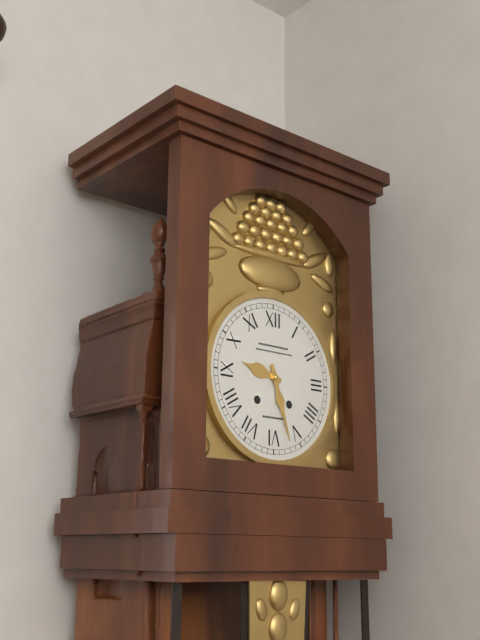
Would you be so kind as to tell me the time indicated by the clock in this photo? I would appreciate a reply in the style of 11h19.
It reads 9h27
